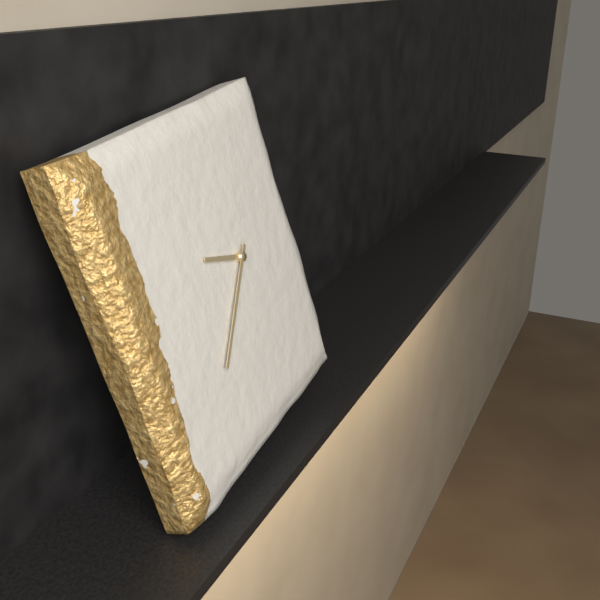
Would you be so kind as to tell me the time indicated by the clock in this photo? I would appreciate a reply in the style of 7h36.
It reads 9h38
